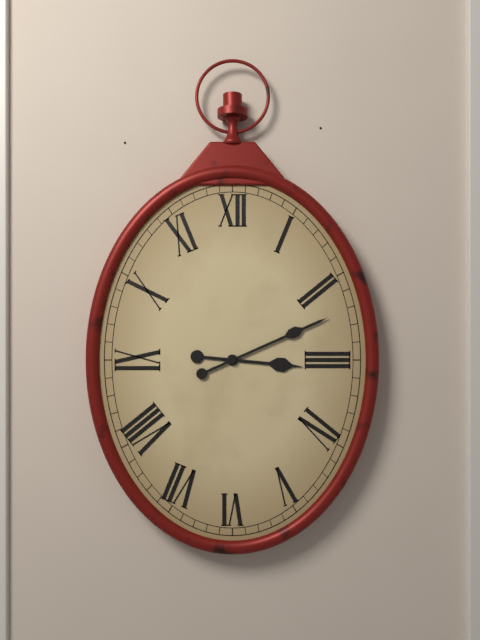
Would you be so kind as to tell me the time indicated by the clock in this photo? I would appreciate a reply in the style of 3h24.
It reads 3h11
